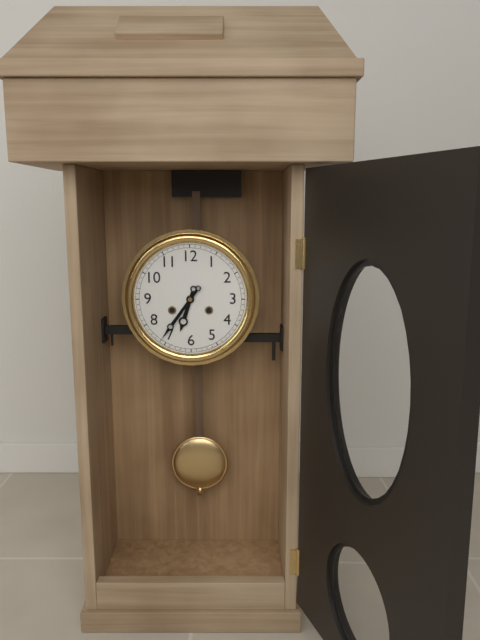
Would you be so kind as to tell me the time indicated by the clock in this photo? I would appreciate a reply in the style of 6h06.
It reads 6h36
